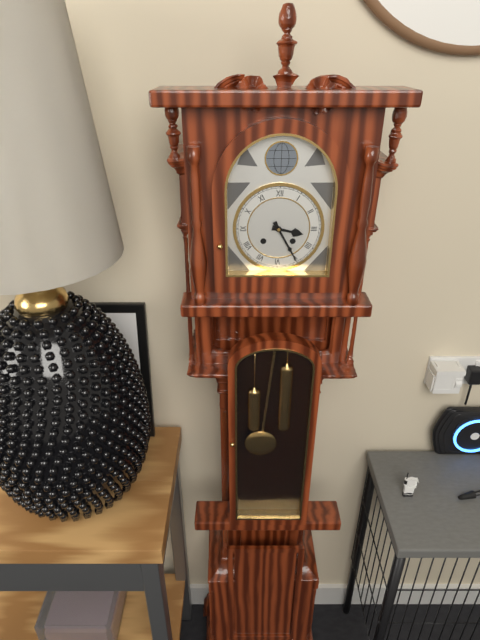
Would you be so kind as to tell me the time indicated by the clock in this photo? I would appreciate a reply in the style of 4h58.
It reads 3h25
